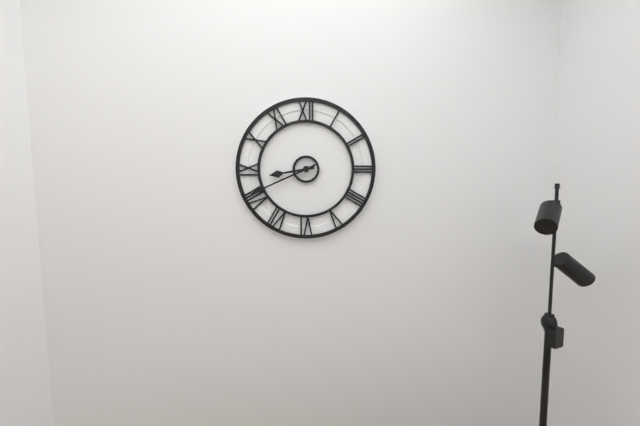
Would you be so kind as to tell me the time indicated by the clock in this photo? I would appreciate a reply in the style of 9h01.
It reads 8h41
